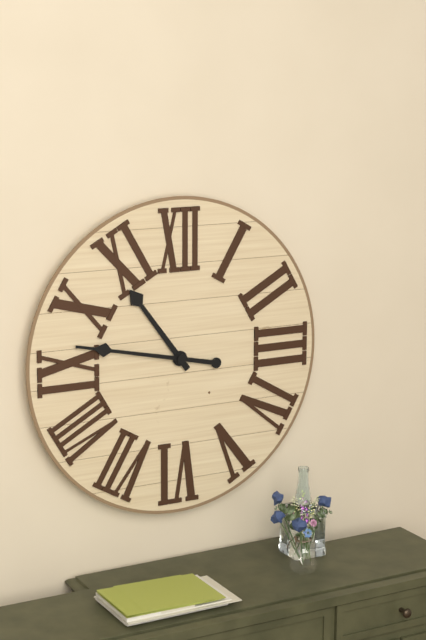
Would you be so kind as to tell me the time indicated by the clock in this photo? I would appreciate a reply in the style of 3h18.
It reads 10h47
